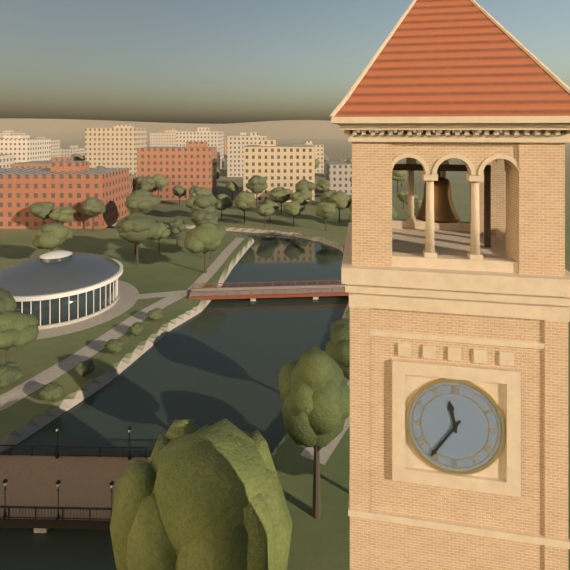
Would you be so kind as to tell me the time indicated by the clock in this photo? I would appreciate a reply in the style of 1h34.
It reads 11h36
